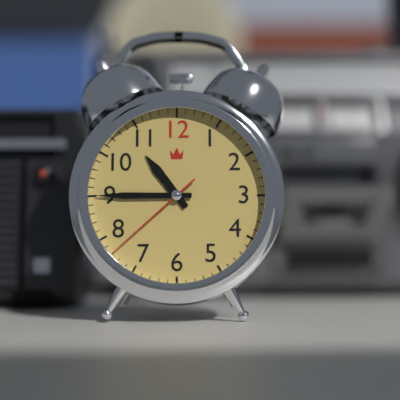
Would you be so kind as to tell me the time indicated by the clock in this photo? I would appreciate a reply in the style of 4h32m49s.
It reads 10h45m38s
